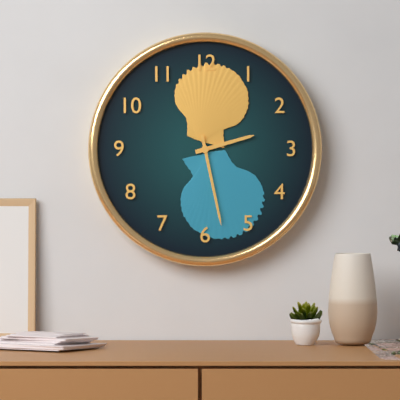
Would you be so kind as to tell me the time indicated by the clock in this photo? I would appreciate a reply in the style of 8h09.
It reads 2h28
